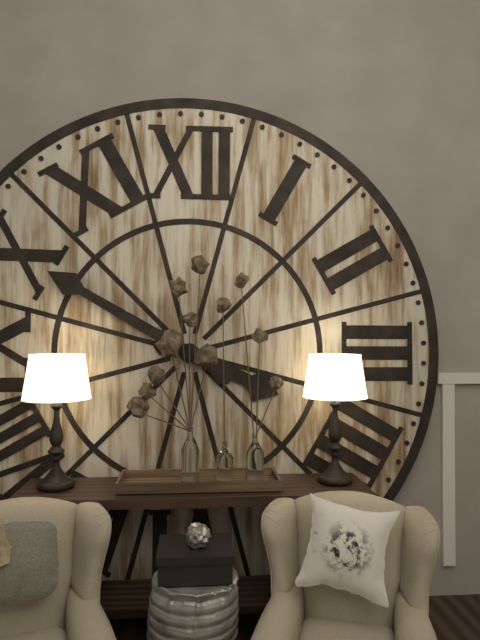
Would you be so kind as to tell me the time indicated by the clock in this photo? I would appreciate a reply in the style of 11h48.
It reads 3h50
